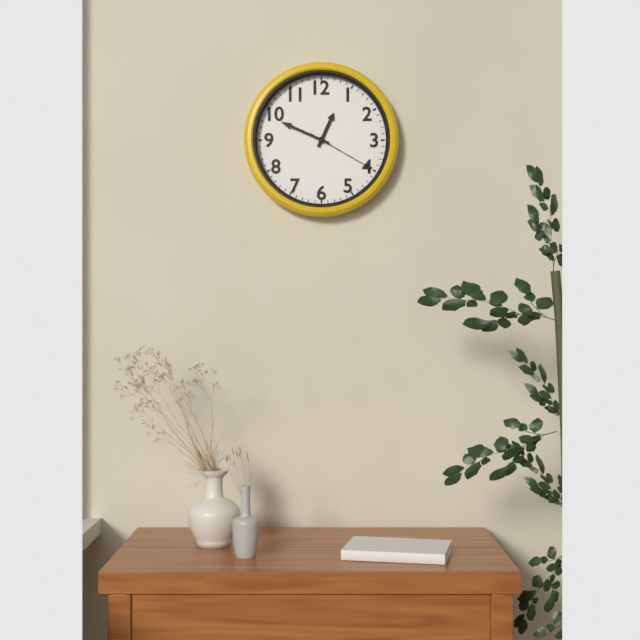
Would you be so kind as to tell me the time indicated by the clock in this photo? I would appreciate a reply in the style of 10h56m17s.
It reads 12h49m20s
